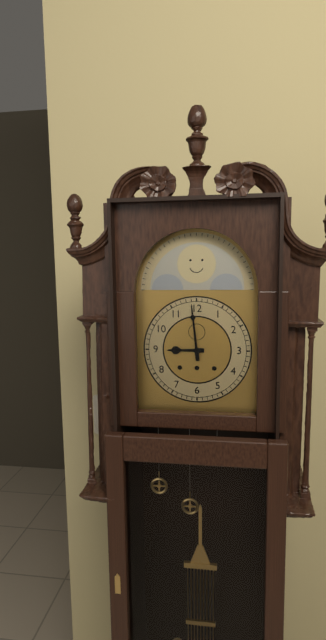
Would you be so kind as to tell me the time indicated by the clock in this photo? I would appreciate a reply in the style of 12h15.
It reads 8h59
